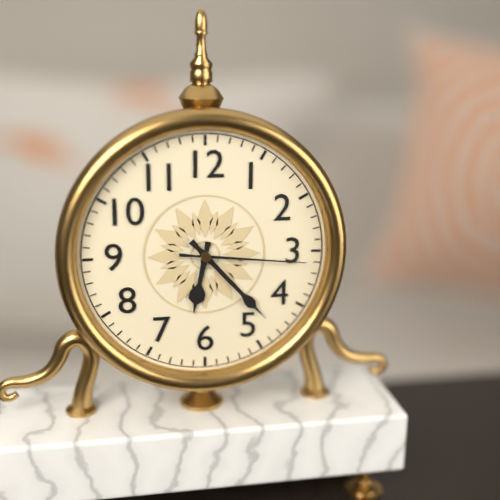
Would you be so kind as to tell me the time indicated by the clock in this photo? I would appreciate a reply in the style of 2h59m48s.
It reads 6h23m16s
